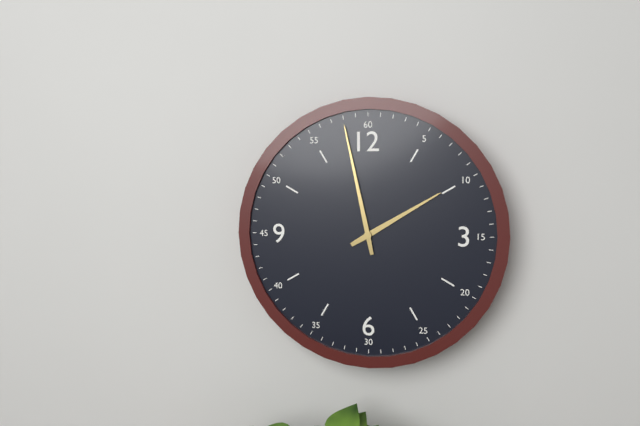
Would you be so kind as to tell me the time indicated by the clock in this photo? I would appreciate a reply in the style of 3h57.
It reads 1h58
